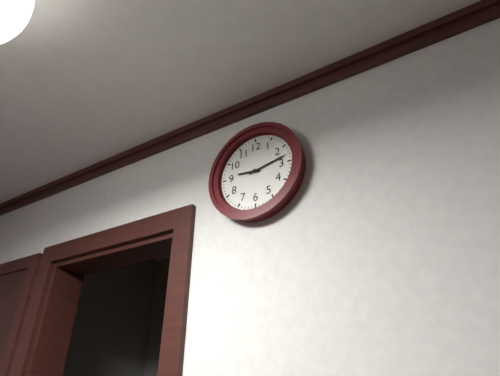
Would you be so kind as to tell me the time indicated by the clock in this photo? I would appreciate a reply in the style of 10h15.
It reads 9h13
